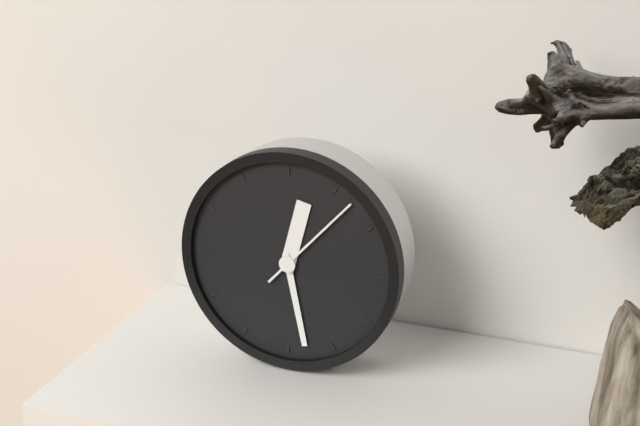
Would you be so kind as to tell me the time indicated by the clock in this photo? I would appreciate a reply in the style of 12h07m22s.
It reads 12h28m07s
